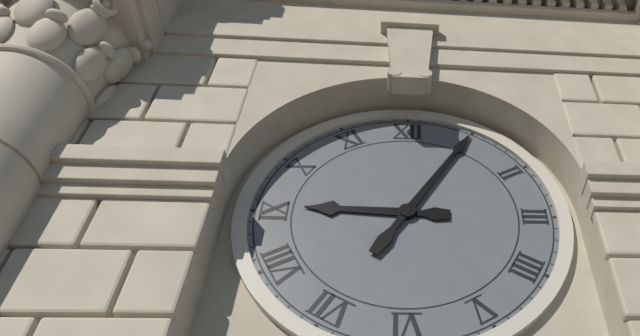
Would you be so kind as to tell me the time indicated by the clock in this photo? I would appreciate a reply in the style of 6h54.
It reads 9h05
